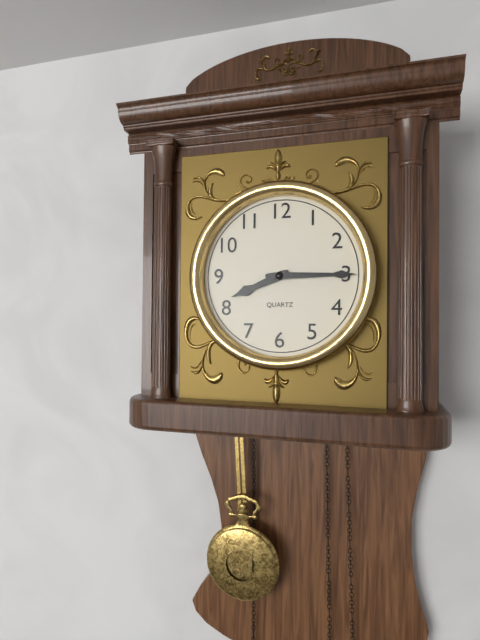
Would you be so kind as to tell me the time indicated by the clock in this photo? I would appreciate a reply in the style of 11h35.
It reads 8h15
